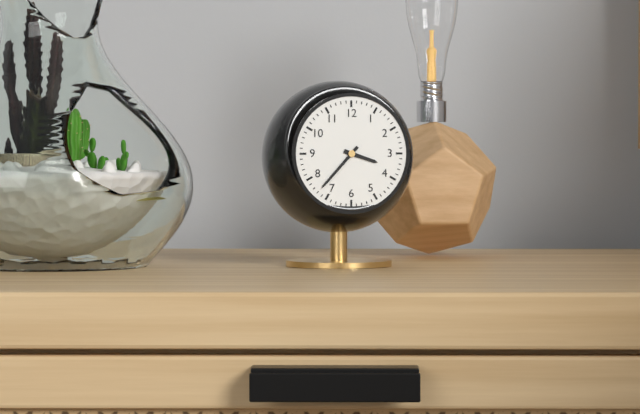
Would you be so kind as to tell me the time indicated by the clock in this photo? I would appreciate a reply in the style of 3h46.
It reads 3h37
